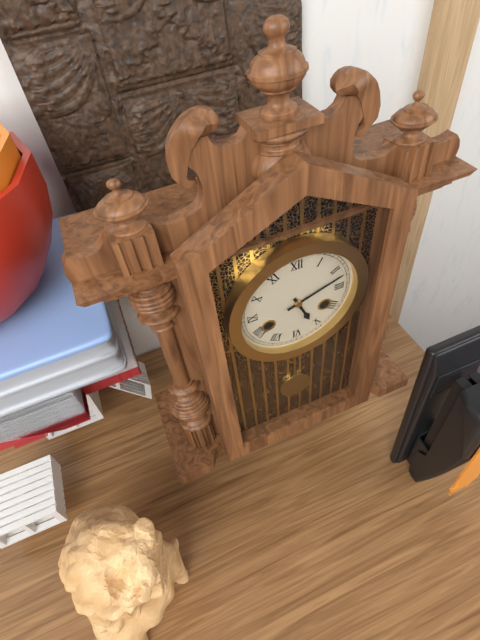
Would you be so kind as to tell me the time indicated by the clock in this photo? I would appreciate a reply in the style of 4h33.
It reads 5h12
